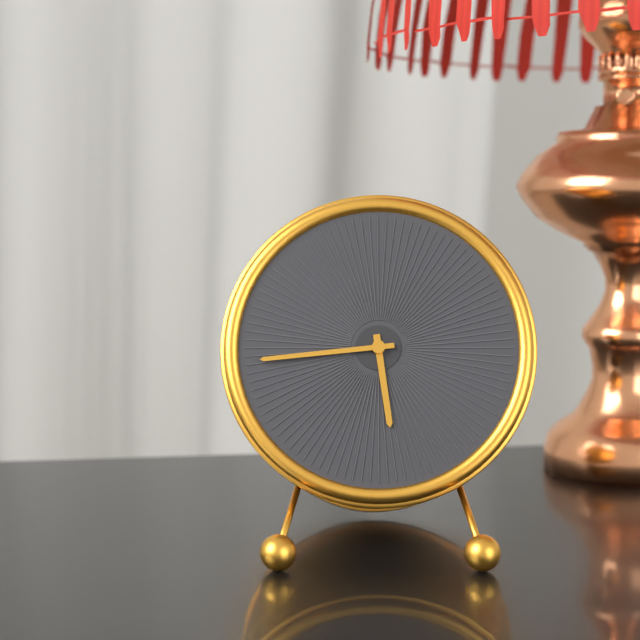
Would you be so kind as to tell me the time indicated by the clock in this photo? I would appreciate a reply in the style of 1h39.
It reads 5h44
